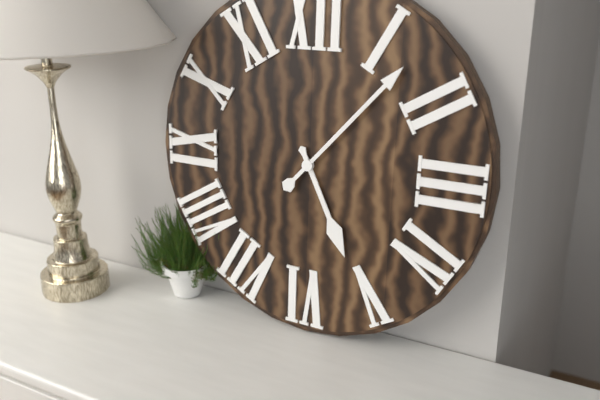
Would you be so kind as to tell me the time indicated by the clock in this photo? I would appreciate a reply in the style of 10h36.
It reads 5h07
